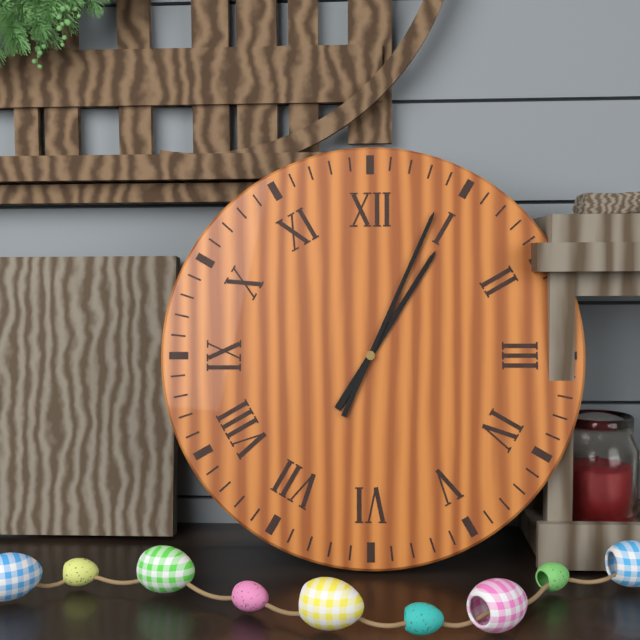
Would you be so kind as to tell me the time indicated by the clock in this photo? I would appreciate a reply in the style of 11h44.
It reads 1h04
